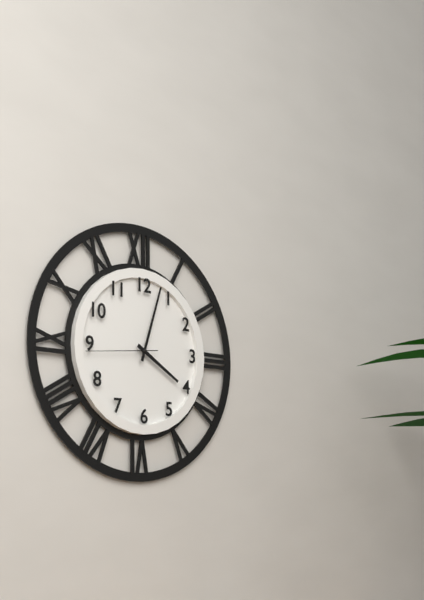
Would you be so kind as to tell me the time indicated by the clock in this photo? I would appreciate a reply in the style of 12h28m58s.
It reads 4h03m44s
